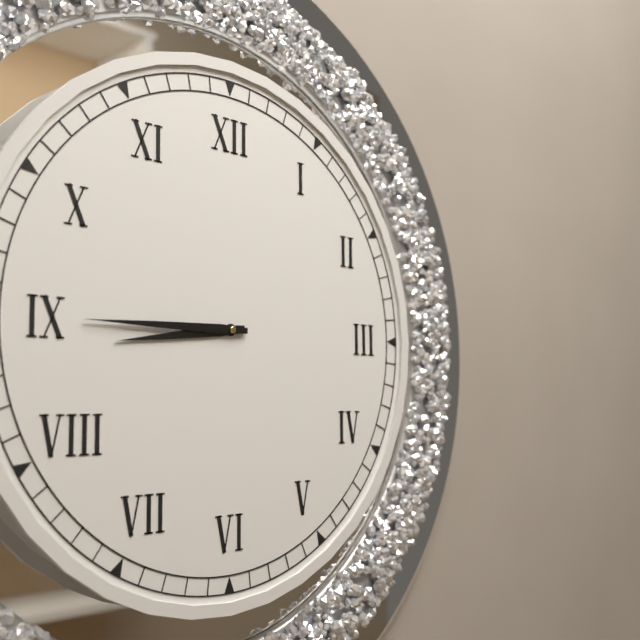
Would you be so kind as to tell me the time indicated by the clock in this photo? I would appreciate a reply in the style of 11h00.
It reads 8h45
